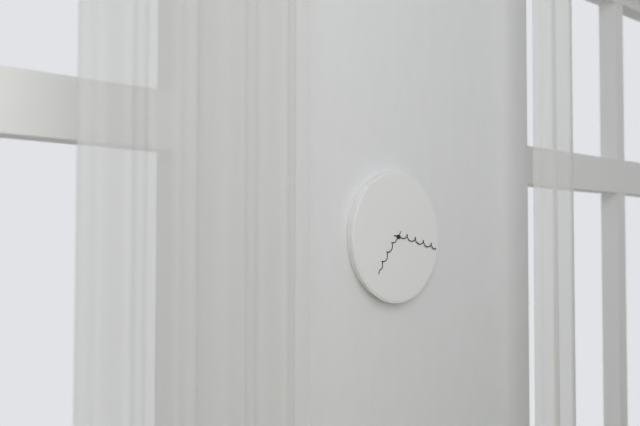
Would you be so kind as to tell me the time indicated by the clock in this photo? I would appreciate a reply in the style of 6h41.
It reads 7h17
